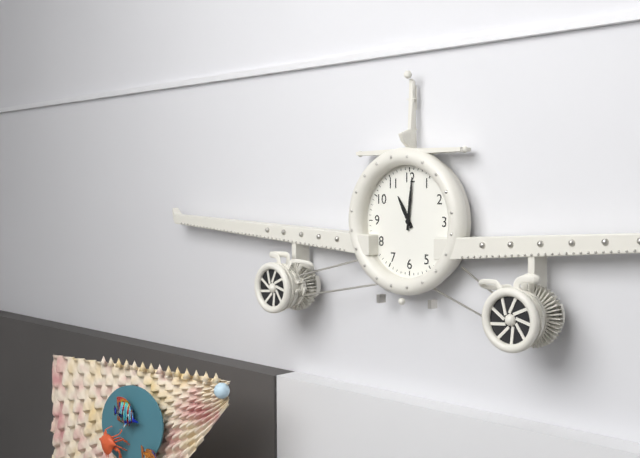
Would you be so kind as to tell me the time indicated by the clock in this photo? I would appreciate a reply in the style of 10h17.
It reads 11h01
